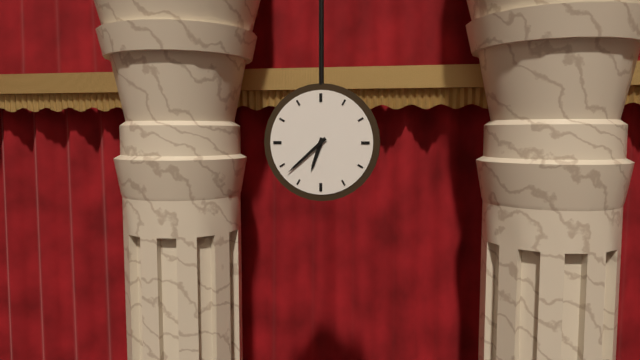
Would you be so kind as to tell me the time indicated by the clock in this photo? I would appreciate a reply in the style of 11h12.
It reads 6h38
